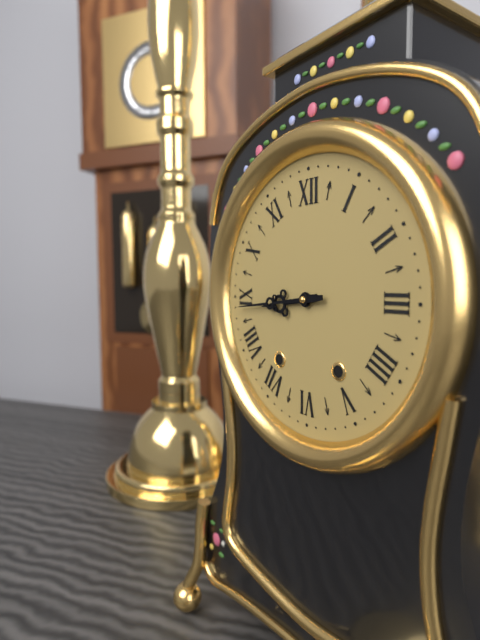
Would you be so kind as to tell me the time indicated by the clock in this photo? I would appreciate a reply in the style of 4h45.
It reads 8h44
